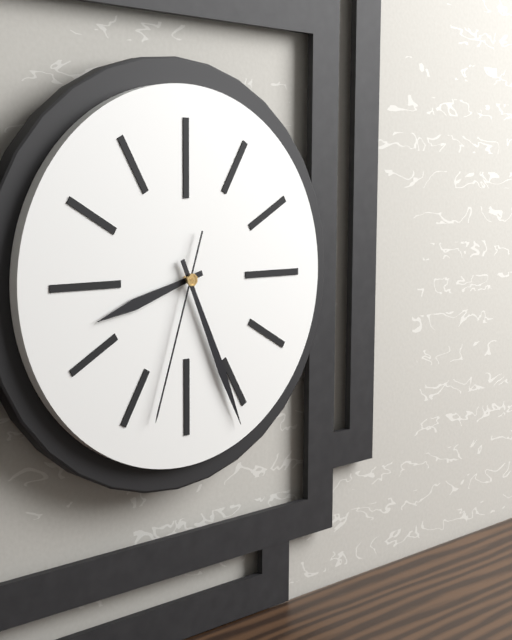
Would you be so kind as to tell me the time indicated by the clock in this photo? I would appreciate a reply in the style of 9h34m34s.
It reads 8h26m33s
